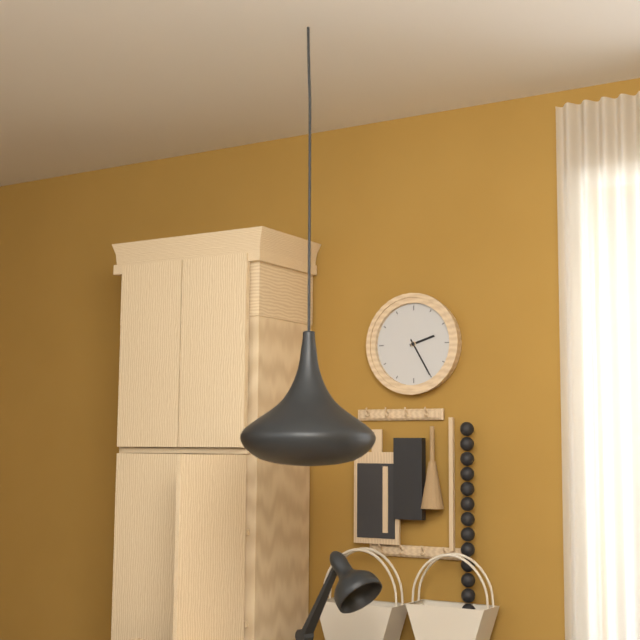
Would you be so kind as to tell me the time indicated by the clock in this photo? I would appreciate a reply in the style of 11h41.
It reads 2h25
